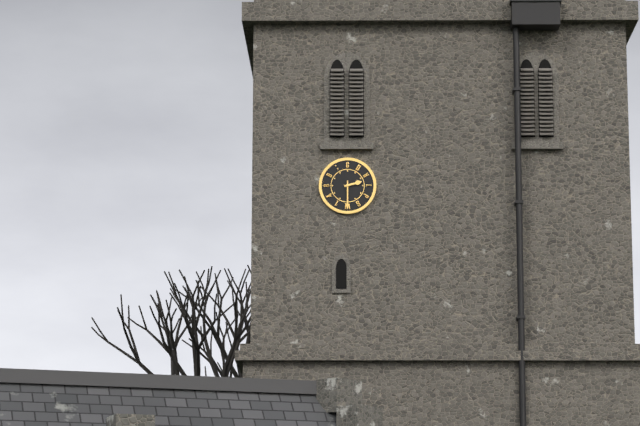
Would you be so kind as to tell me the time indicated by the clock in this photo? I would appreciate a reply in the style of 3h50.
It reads 2h30
